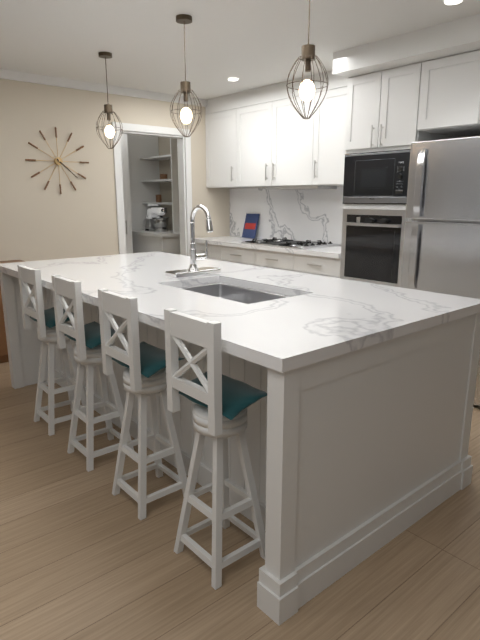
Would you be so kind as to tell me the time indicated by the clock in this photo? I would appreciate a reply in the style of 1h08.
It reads 4h22
